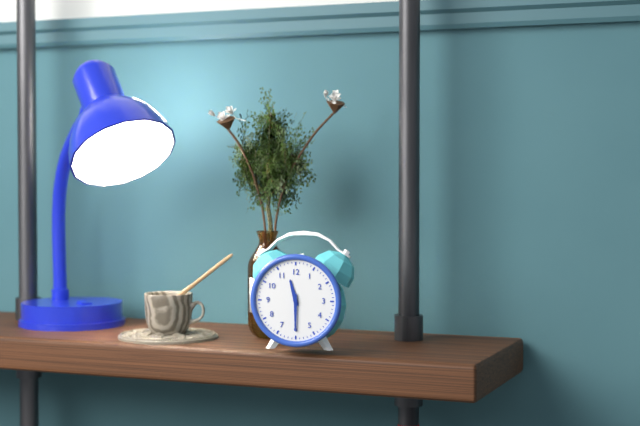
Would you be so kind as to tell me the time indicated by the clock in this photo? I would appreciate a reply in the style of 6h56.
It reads 11h30
